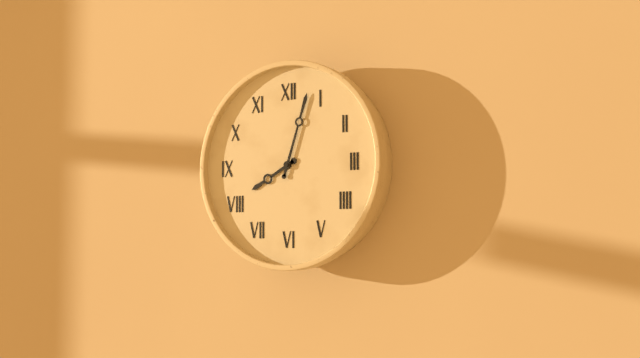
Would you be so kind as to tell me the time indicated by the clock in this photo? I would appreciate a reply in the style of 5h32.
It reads 8h03
